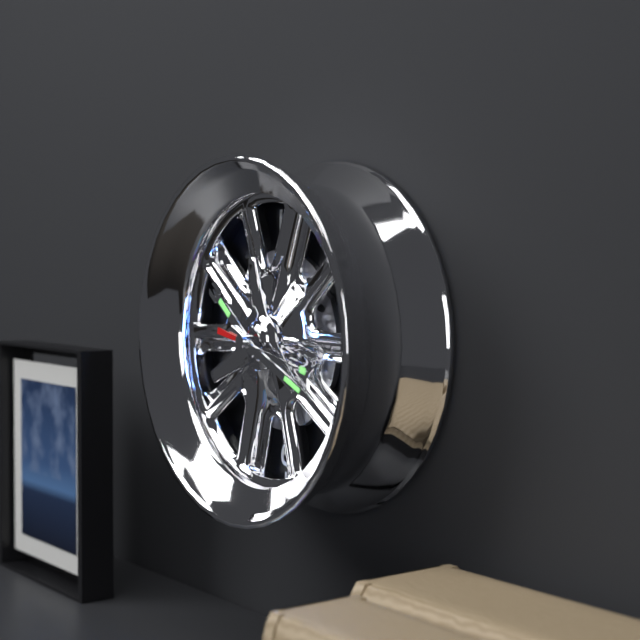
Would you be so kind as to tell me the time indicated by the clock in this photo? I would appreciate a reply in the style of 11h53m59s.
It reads 10h19m17s
